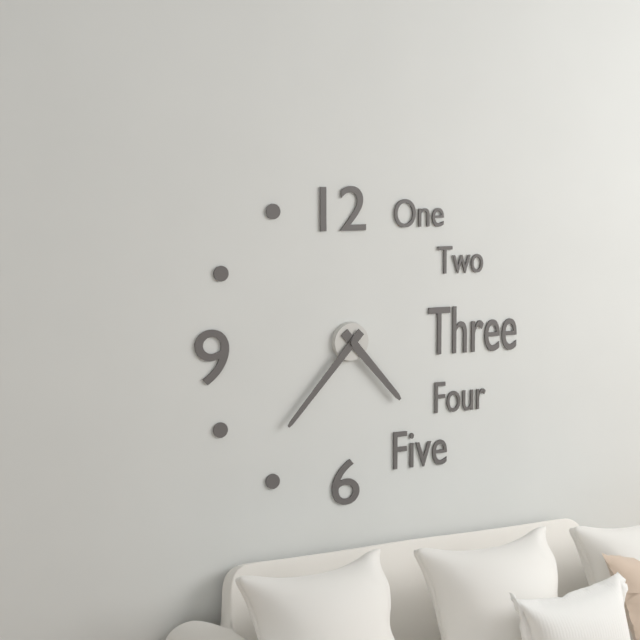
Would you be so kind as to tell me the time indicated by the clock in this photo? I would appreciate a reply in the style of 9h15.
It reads 4h37
